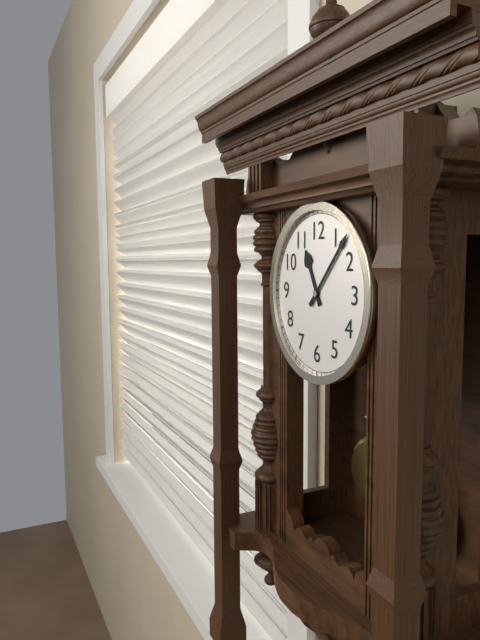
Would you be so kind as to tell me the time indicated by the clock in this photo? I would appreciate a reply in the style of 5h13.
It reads 11h07
